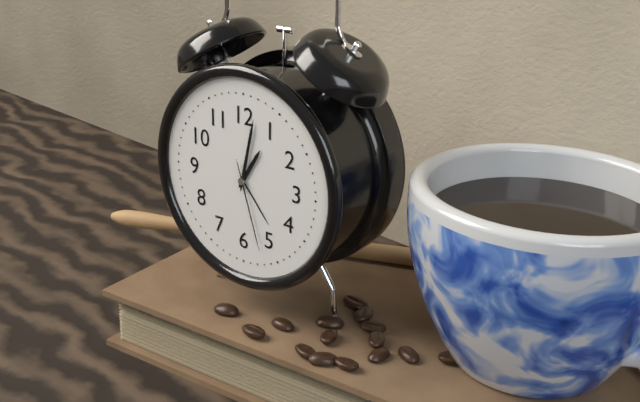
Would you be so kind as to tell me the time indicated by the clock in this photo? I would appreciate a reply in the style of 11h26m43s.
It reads 1h02m27s
